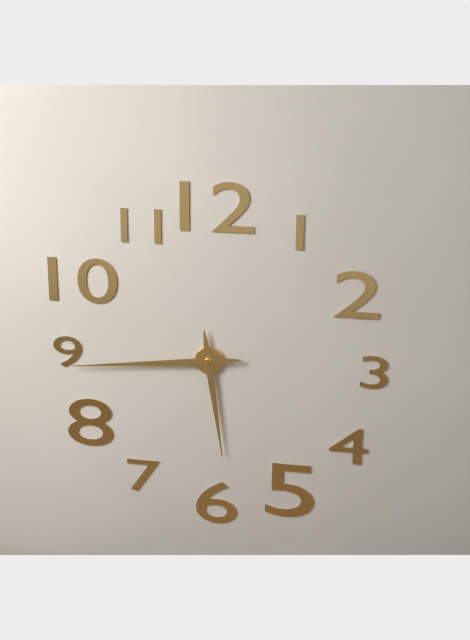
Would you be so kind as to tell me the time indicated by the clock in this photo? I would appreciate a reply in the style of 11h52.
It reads 5h44
